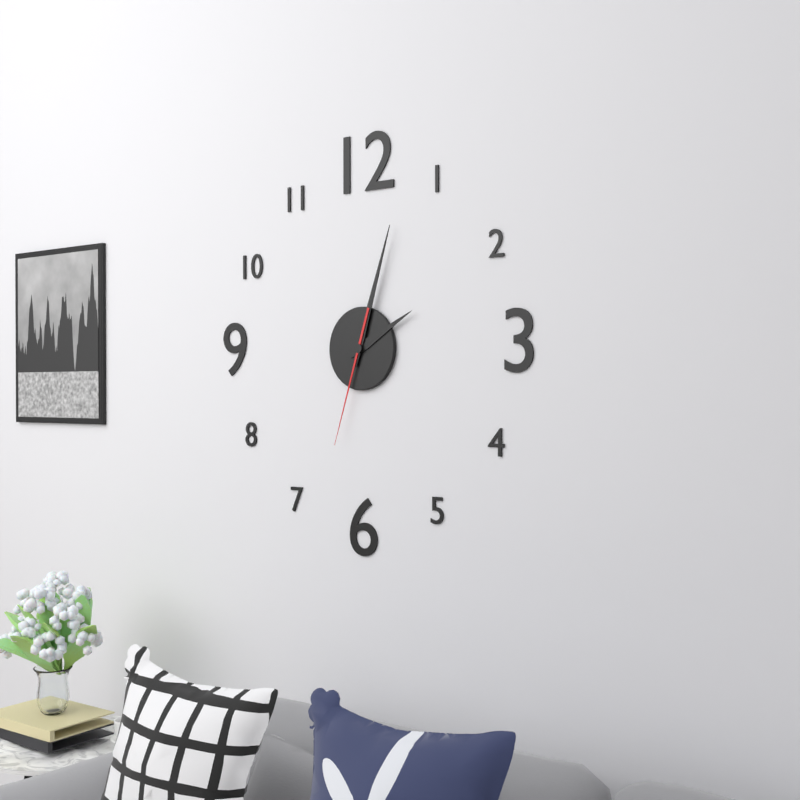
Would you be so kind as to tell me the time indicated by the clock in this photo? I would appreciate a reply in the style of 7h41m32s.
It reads 2h03m33s
